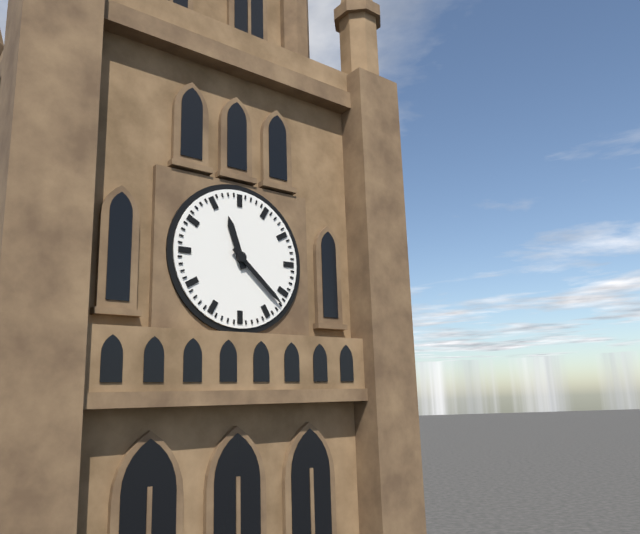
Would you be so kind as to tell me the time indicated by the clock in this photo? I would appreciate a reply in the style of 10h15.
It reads 11h22
